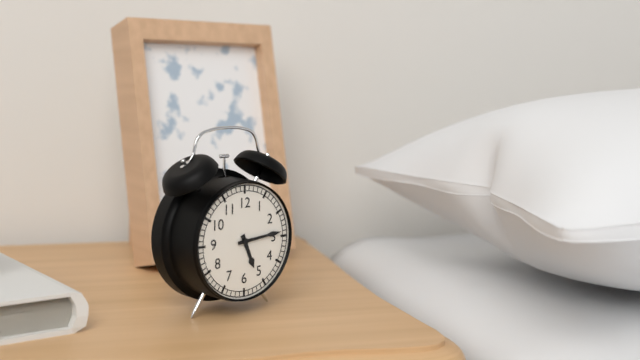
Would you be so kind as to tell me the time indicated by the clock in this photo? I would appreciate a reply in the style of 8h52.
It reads 5h14
